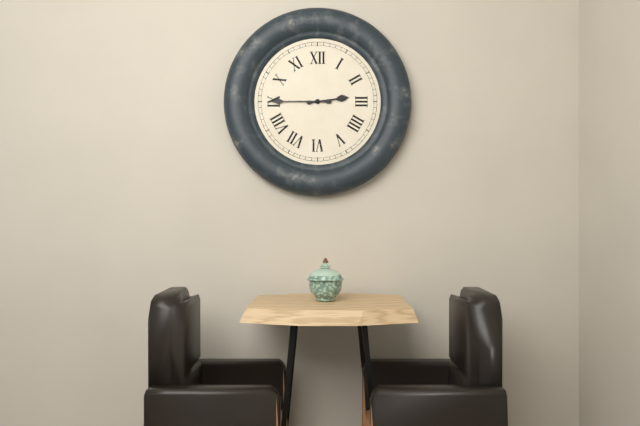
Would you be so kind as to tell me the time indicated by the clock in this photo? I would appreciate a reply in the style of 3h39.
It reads 2h45
